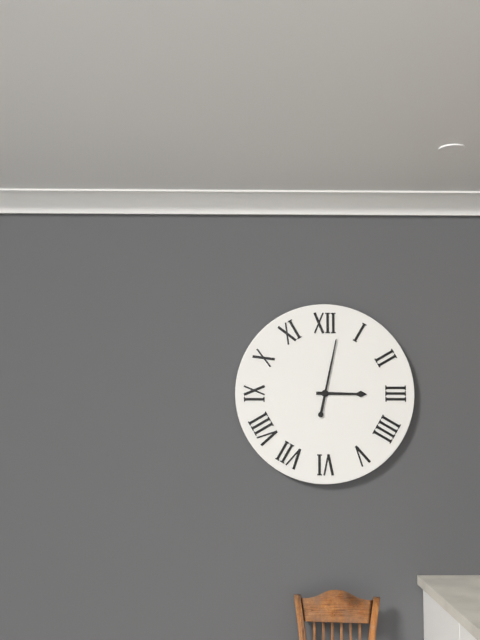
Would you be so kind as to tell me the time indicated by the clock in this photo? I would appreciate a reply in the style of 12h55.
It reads 3h02
